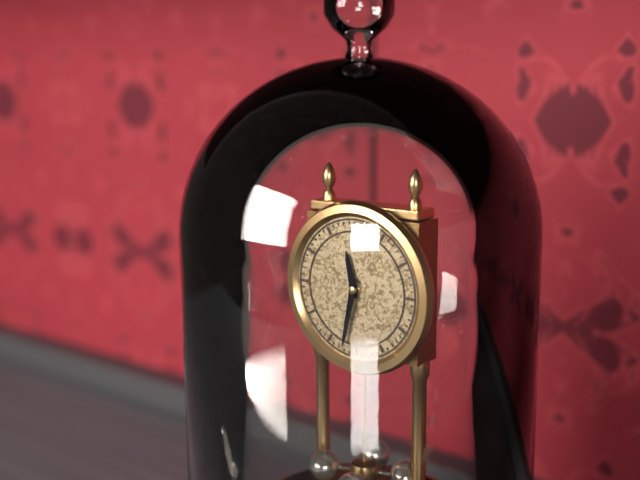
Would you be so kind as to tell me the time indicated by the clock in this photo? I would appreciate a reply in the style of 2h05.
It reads 11h32
